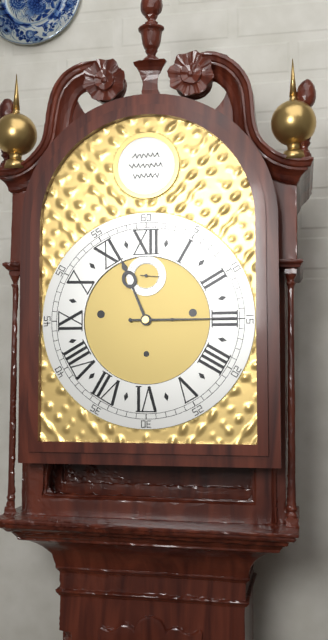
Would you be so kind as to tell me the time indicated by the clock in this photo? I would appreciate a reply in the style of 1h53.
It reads 11h15
